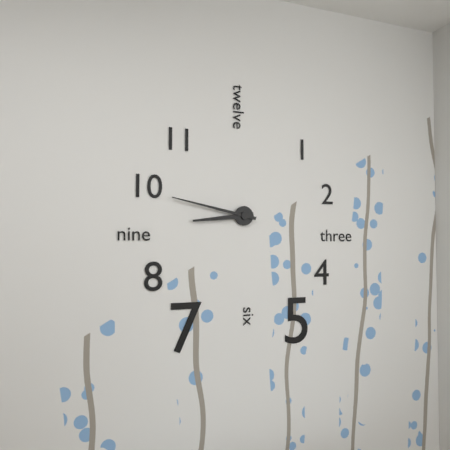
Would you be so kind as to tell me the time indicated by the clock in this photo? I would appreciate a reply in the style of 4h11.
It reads 8h47
